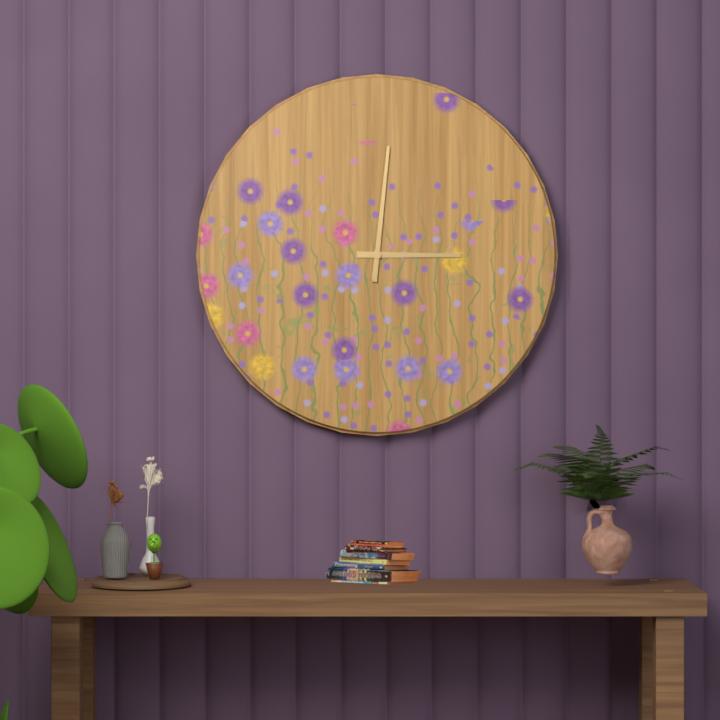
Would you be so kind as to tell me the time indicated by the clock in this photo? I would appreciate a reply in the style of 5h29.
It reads 3h01
